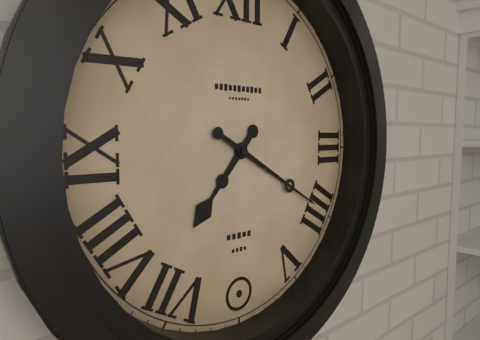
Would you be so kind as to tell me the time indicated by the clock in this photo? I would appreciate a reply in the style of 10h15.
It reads 7h20
